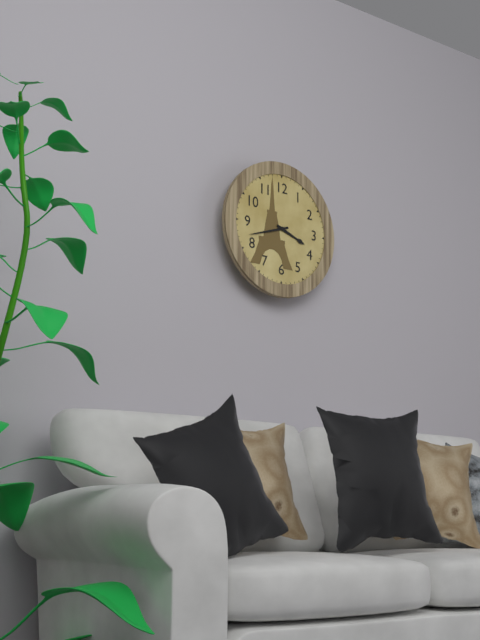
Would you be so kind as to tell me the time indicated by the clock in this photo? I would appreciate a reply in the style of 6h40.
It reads 3h42
